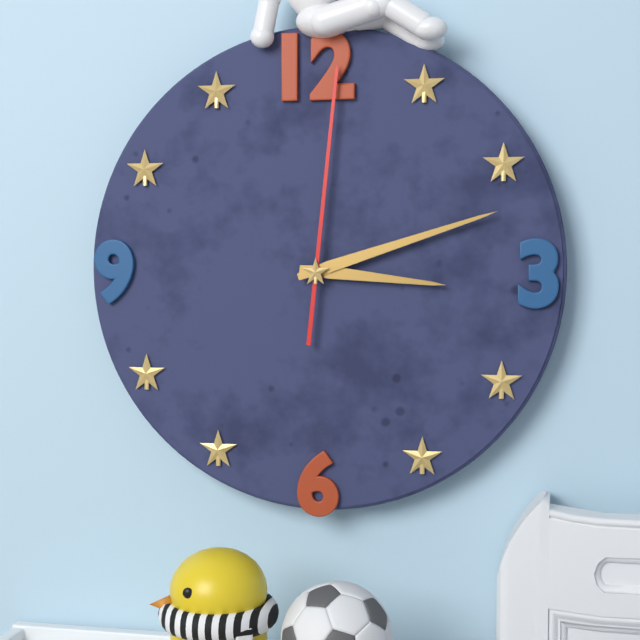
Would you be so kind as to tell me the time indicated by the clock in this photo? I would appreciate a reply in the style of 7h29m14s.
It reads 3h12m01s
